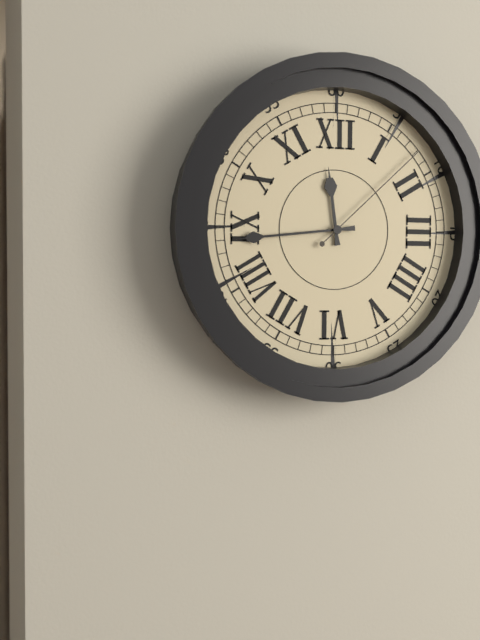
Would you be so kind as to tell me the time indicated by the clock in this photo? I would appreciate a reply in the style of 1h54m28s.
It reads 11h44m08s
